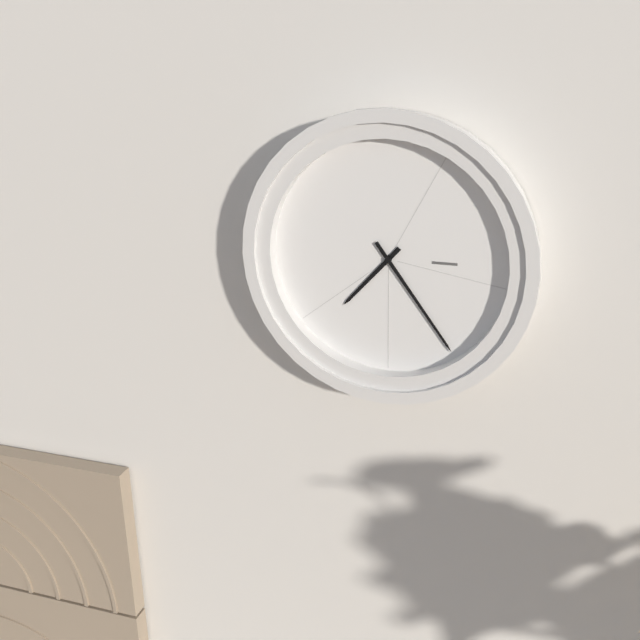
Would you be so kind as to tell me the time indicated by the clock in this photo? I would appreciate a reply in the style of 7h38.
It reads 7h24
